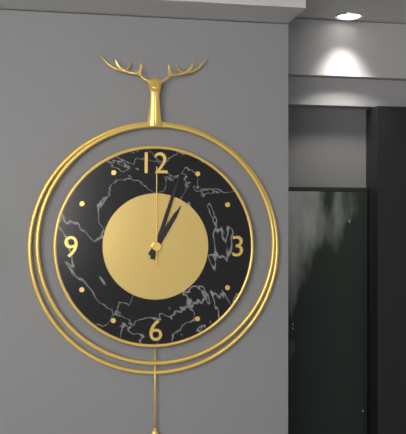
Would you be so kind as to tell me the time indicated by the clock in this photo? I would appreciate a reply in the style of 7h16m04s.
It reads 1h03m00s
